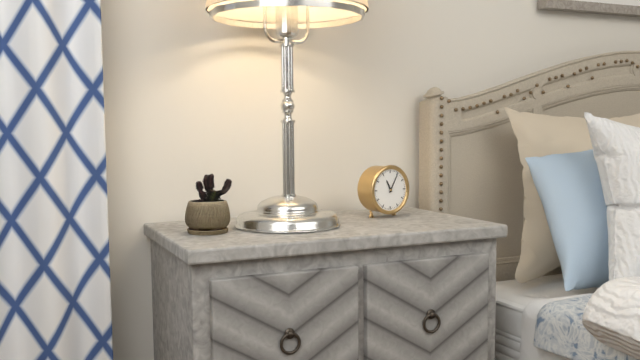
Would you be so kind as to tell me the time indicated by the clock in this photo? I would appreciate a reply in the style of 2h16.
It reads 11h05
